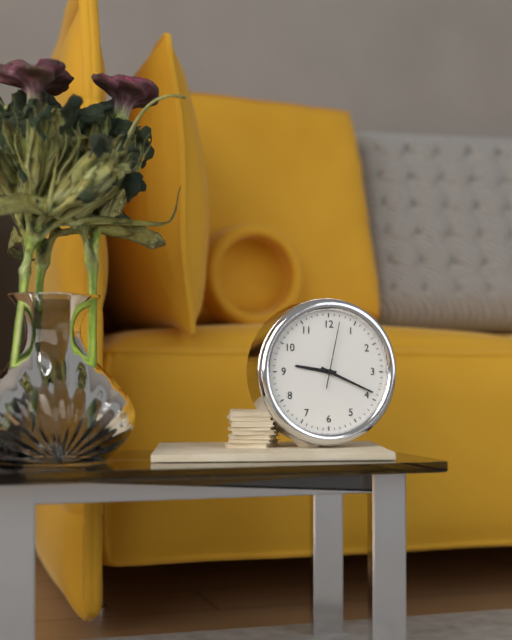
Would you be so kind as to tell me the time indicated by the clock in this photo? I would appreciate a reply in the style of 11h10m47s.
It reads 9h19m02s
